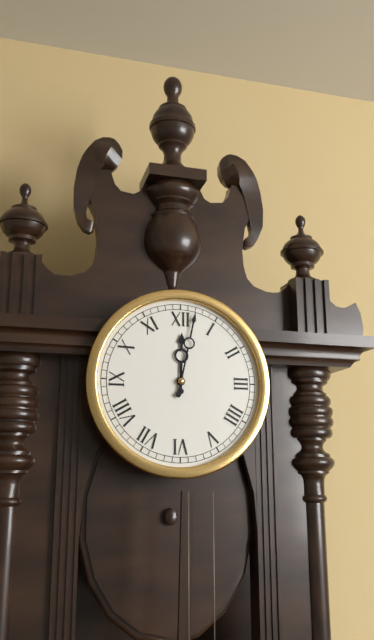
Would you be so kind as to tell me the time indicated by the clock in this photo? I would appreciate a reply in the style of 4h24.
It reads 12h02
